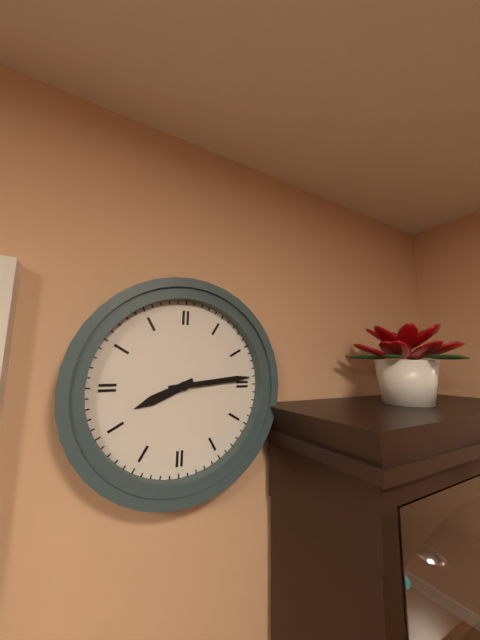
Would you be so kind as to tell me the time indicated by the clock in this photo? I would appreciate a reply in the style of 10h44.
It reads 8h14
